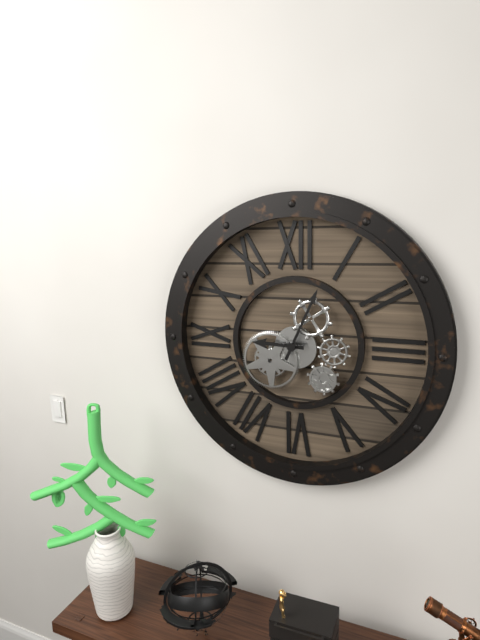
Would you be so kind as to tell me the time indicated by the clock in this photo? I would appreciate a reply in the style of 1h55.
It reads 9h04
